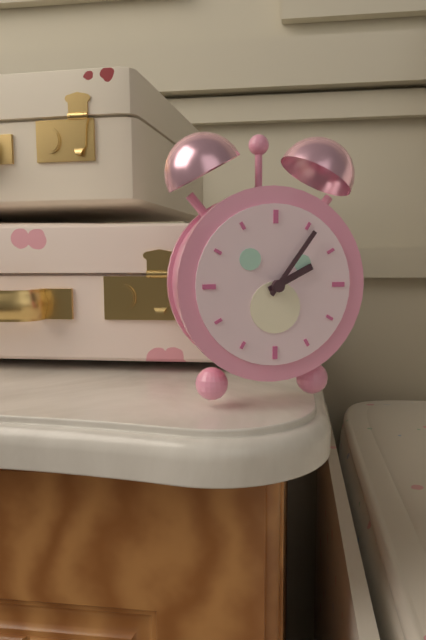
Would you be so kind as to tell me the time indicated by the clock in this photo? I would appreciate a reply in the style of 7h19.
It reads 2h06
